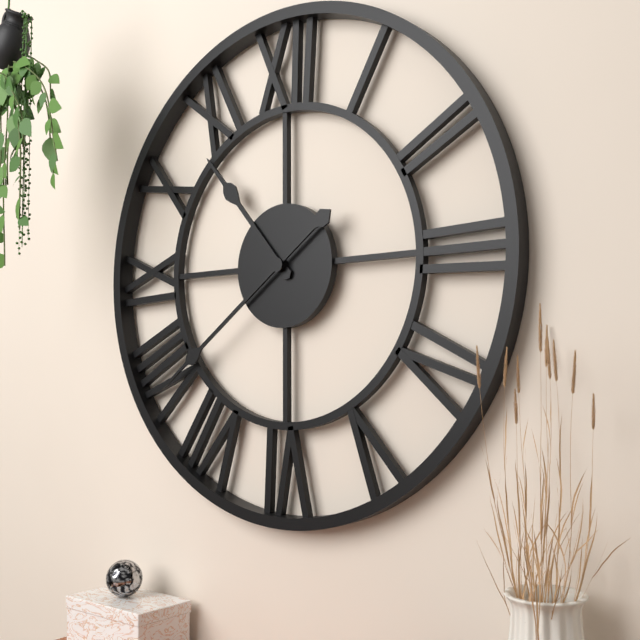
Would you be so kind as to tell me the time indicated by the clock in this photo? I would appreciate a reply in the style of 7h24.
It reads 10h39
